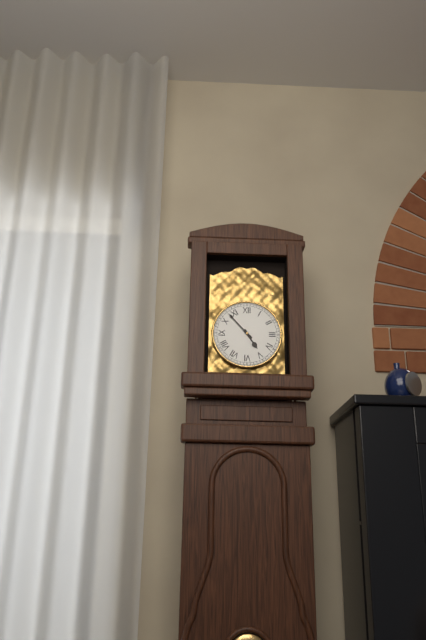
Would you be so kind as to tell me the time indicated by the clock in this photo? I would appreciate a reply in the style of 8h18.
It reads 4h53
